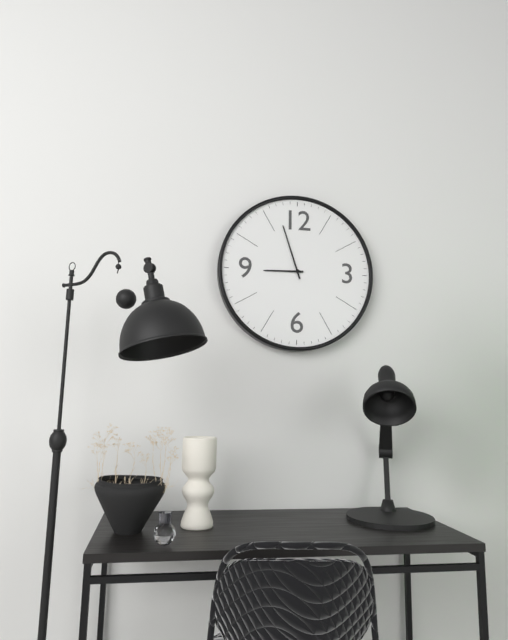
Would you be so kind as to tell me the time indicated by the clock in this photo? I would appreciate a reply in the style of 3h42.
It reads 8h57
